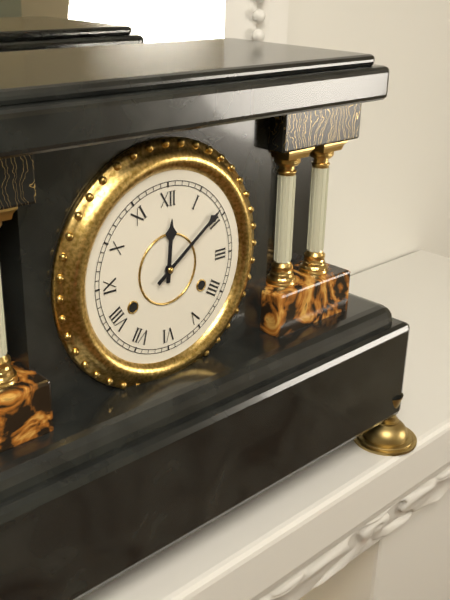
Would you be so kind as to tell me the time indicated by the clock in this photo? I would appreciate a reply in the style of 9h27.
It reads 12h09
